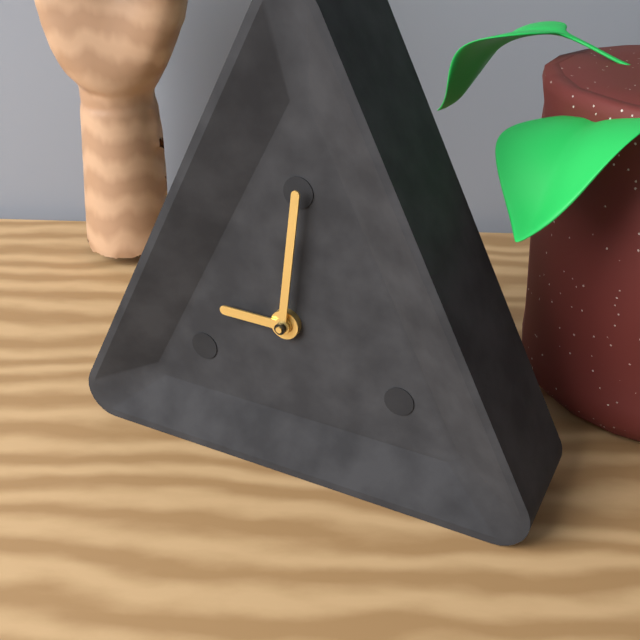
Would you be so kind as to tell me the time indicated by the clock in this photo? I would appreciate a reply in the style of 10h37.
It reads 9h01
